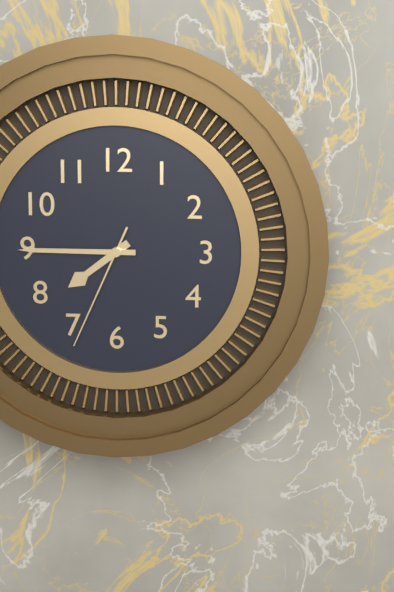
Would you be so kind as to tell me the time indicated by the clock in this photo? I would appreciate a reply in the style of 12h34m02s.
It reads 7h45m34s
